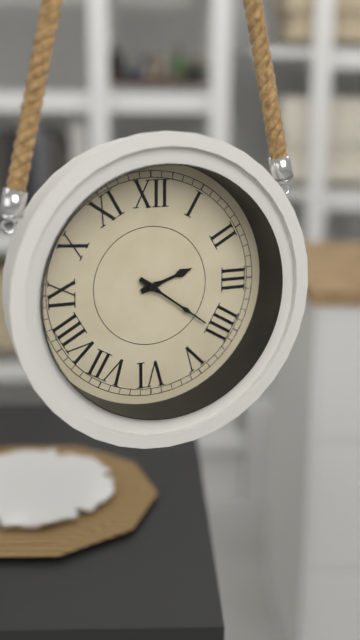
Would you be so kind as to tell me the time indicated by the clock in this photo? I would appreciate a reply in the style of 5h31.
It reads 2h21
